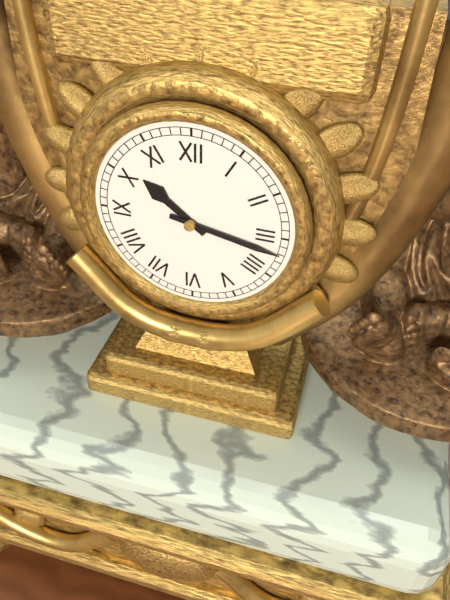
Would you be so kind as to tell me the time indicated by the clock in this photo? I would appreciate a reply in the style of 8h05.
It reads 10h17
